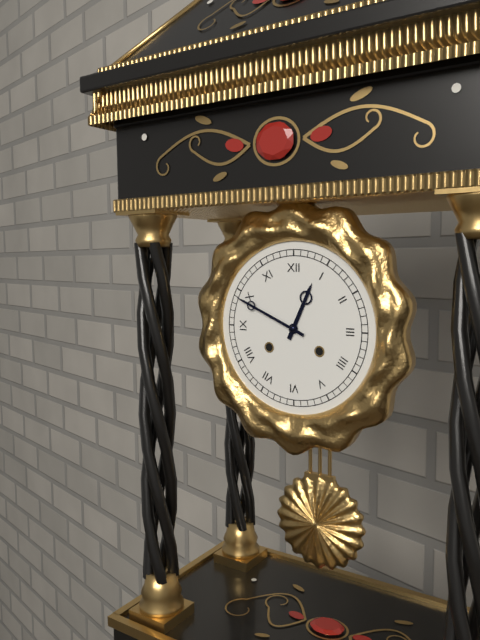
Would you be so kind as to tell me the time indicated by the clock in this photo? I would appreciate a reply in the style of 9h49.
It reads 12h49
